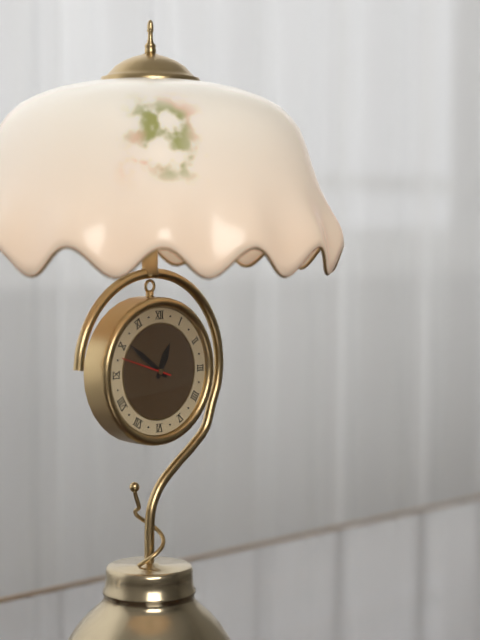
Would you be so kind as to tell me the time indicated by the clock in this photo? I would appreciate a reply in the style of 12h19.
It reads 12h51
